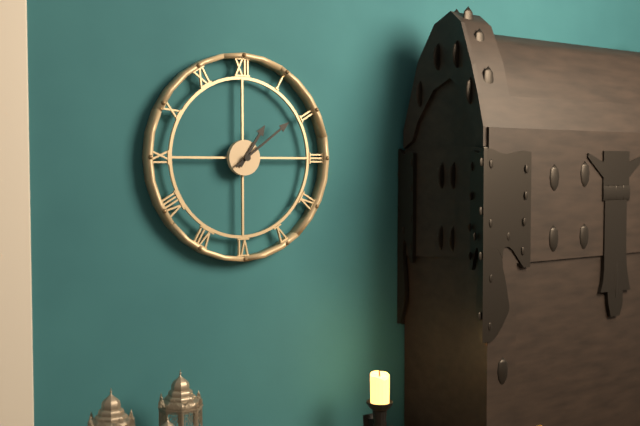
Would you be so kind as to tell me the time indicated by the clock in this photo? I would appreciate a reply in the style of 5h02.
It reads 1h09
